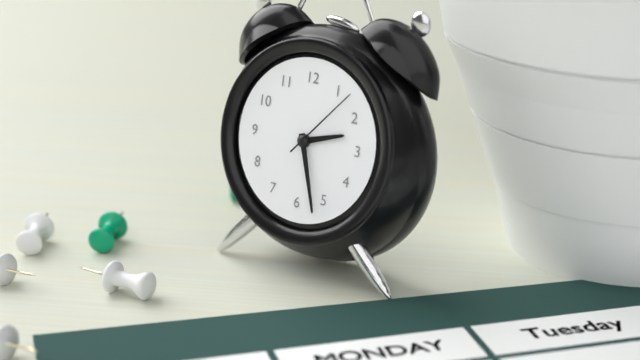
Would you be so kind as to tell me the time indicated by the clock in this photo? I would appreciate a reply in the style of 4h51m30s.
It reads 2h27m07s
